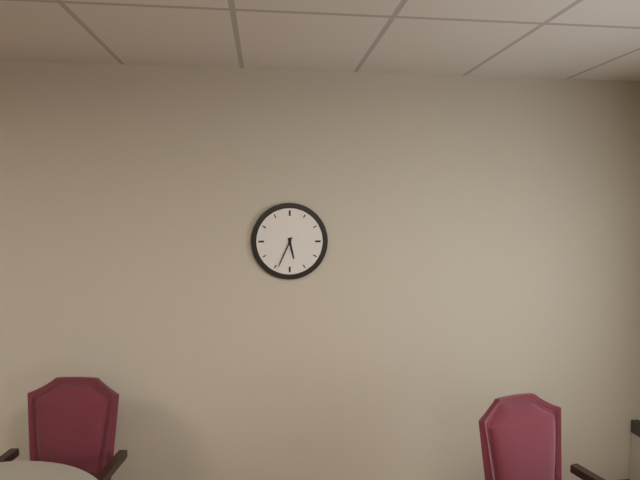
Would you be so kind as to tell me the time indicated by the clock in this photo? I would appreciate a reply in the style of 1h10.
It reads 5h34
